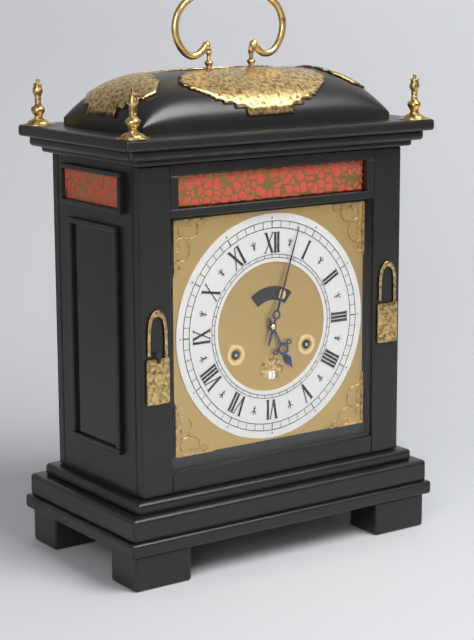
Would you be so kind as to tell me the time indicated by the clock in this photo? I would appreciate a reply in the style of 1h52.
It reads 5h03
